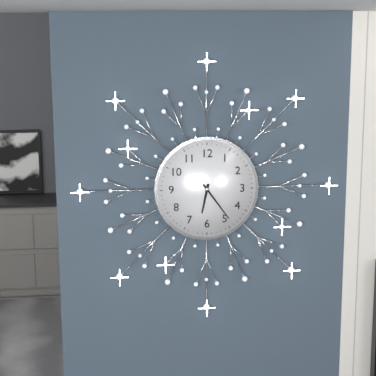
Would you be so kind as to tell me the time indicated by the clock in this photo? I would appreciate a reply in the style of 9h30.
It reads 6h24
